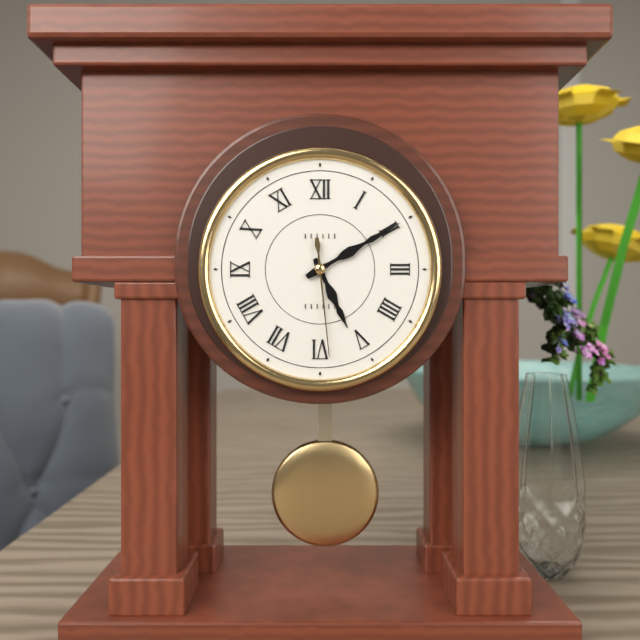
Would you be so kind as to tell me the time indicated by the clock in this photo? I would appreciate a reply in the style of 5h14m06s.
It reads 5h10m29s
